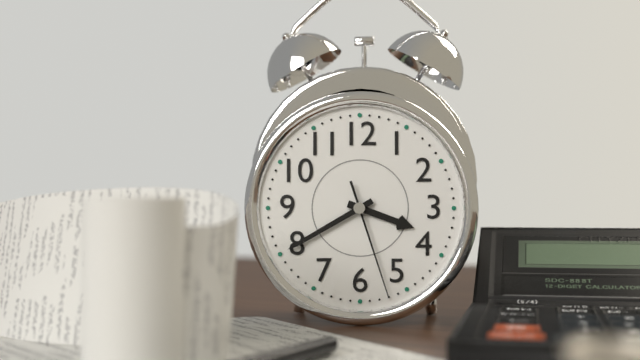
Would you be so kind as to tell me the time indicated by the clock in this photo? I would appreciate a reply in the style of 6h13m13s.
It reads 3h40m27s
